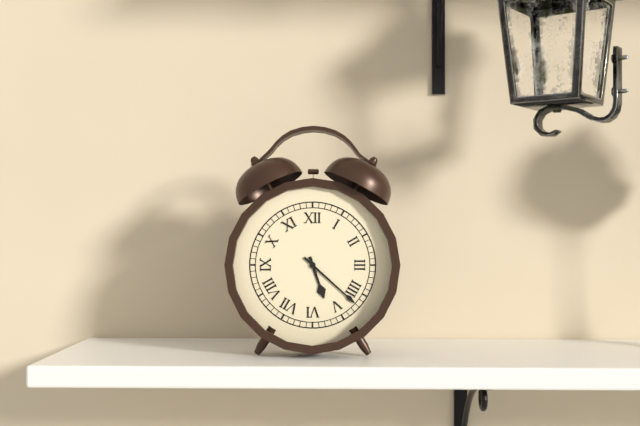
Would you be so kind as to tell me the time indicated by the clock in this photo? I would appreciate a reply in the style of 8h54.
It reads 5h22
